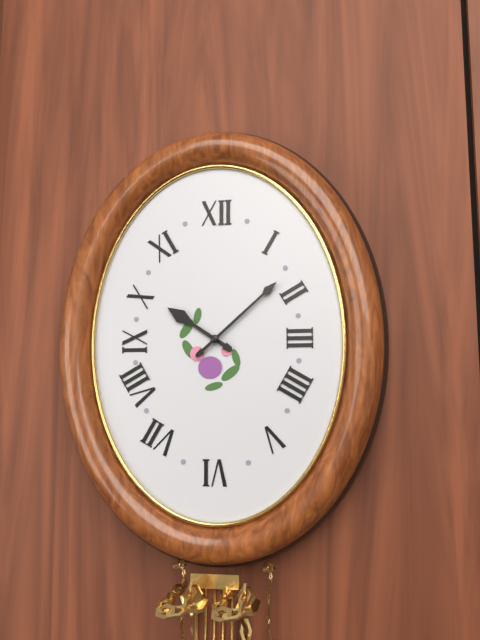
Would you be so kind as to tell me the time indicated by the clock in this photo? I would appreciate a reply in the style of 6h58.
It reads 10h08
